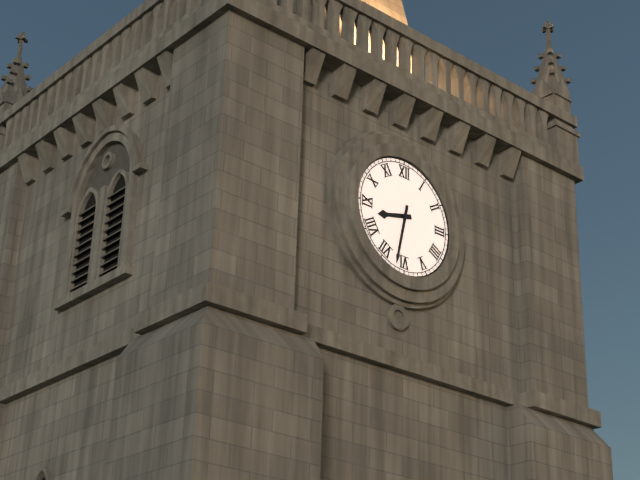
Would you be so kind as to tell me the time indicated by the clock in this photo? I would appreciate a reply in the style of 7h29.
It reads 8h32
